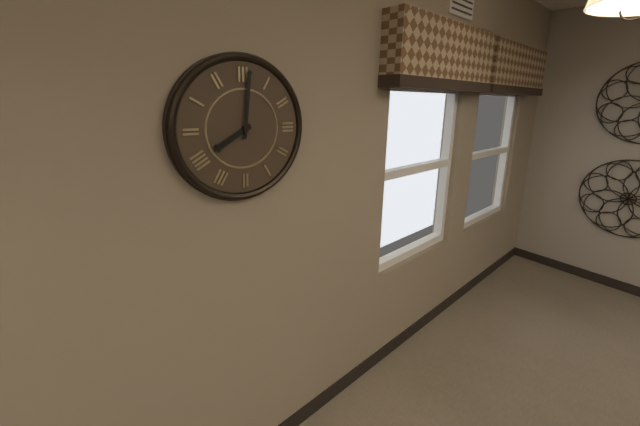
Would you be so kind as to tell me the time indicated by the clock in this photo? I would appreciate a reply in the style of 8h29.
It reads 8h01
